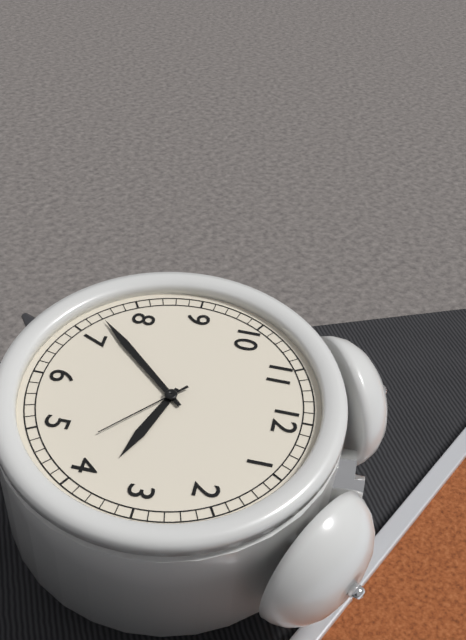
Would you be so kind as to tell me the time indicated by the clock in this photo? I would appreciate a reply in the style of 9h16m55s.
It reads 3h37m22s
